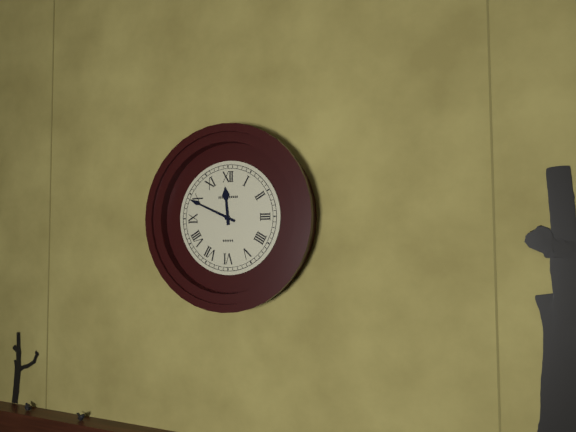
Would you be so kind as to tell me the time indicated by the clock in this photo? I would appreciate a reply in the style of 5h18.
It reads 11h49
